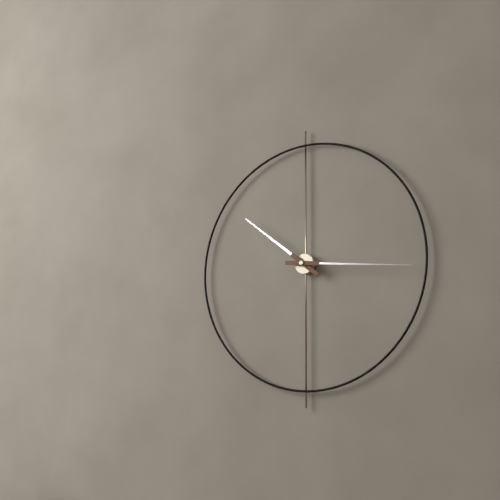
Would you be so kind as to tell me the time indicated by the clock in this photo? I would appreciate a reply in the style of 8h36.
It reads 10h16
